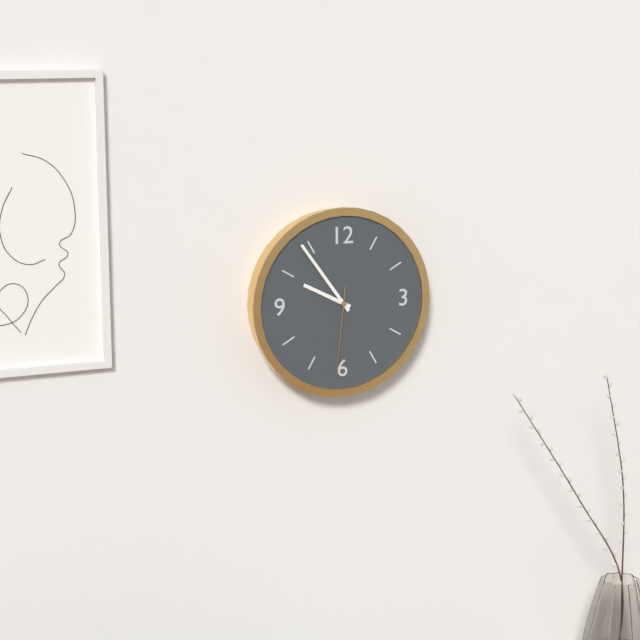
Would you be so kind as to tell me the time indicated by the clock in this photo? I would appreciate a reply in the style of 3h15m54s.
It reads 9h54m31s
